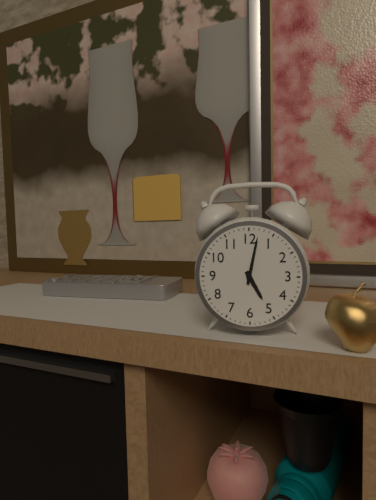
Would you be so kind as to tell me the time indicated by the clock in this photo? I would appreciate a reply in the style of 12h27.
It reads 5h02
